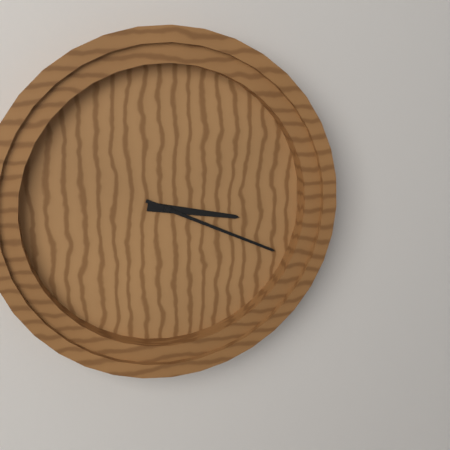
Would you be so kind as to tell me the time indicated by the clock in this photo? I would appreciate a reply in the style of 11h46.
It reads 3h19
